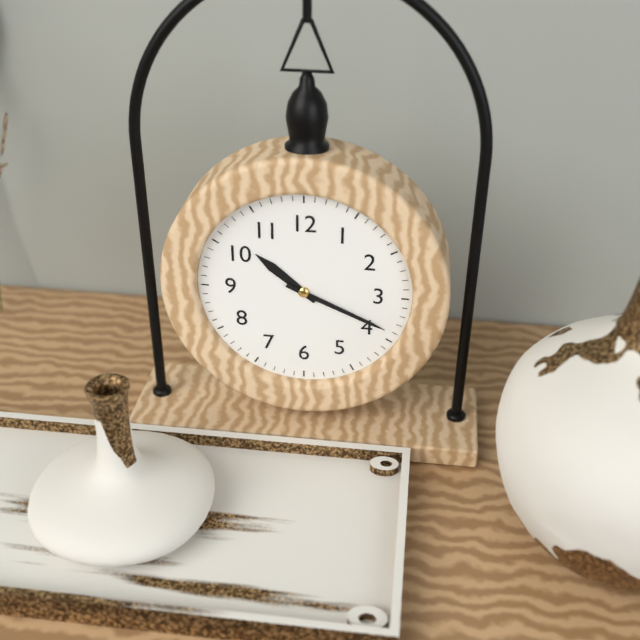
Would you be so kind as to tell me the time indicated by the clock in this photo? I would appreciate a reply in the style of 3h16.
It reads 10h19
